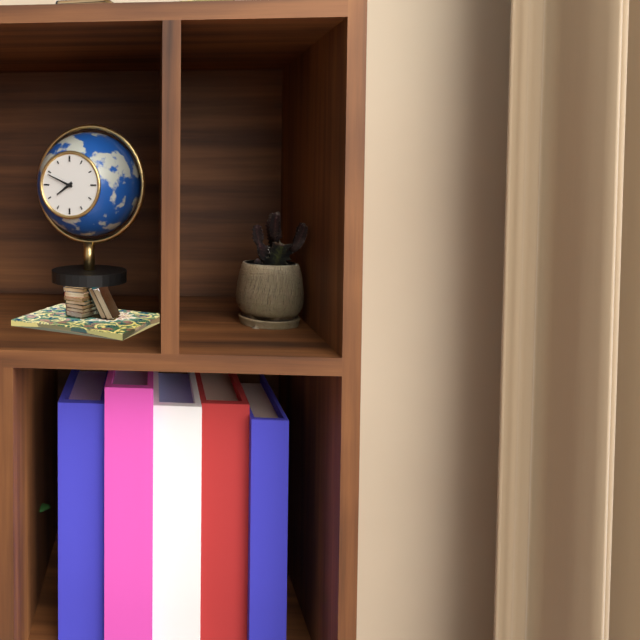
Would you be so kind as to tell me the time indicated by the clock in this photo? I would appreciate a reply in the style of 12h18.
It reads 7h49
